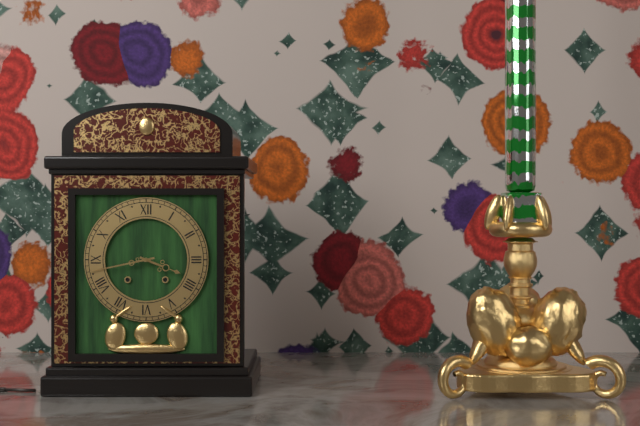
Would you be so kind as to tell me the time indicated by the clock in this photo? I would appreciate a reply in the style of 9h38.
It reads 3h43
